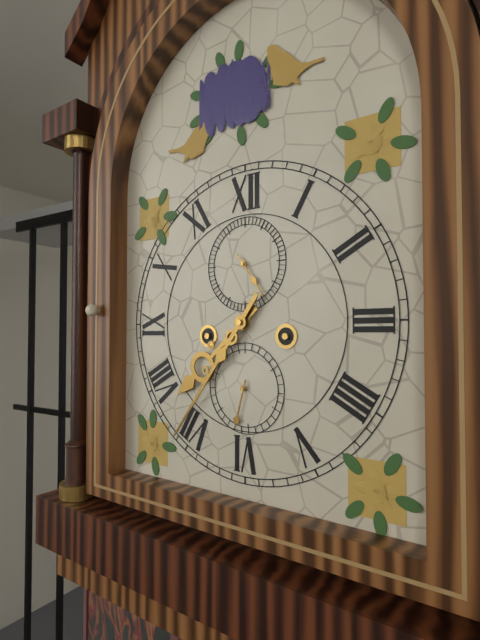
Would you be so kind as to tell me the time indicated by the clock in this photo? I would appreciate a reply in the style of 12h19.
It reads 7h36
